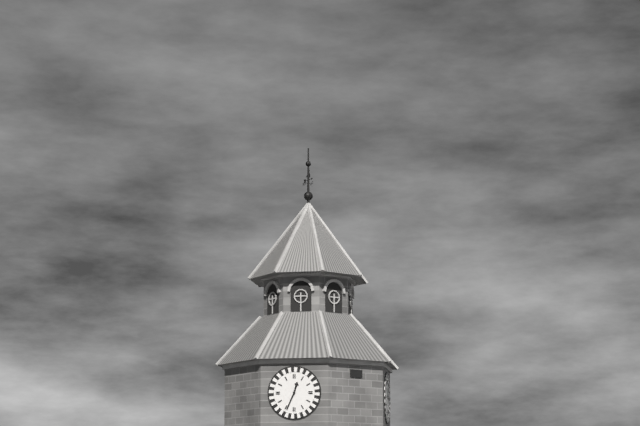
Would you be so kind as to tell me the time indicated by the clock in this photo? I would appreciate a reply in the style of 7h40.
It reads 12h34
